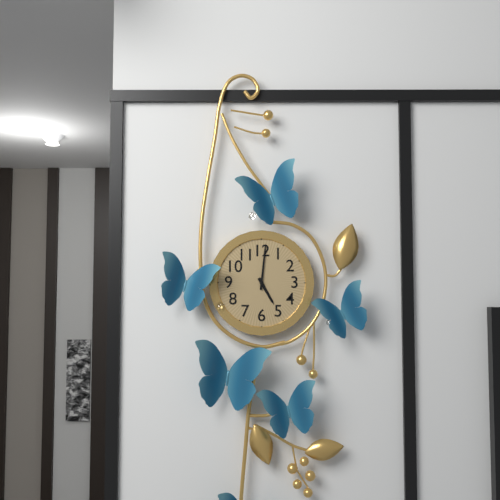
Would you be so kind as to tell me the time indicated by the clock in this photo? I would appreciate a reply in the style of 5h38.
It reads 5h01
